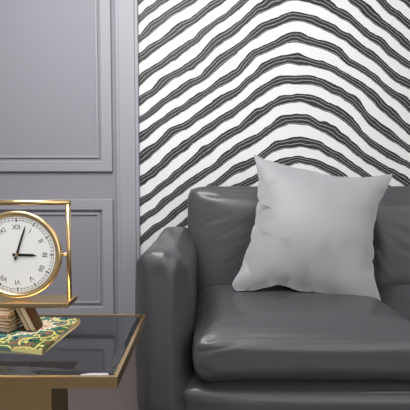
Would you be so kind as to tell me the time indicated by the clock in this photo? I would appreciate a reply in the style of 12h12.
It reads 3h03
